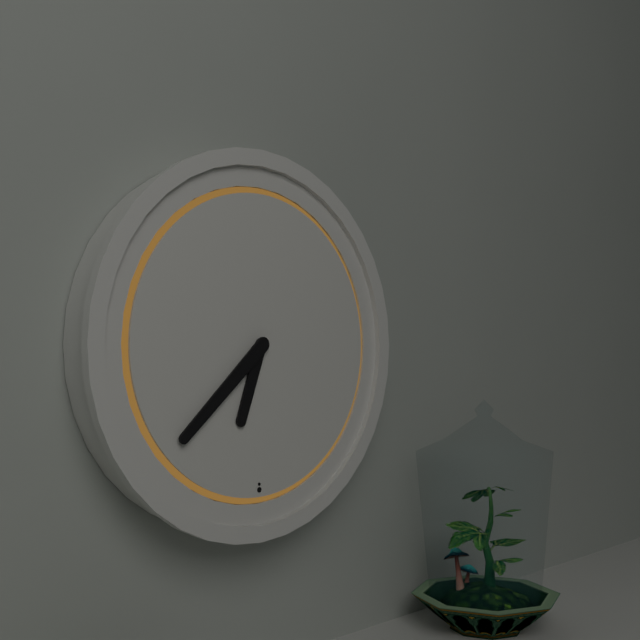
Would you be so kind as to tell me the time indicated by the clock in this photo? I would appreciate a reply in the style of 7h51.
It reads 6h38
